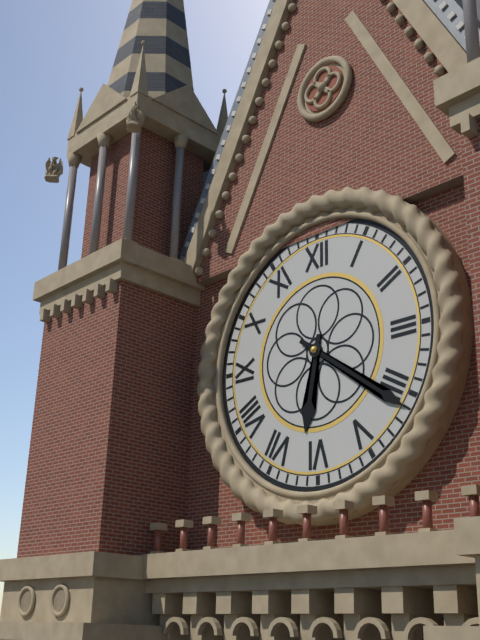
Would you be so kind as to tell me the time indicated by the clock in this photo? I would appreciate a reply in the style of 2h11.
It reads 6h21
